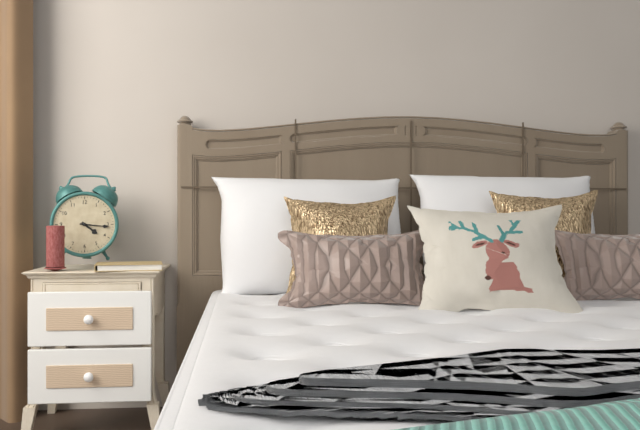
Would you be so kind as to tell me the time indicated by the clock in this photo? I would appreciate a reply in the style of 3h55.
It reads 4h16
